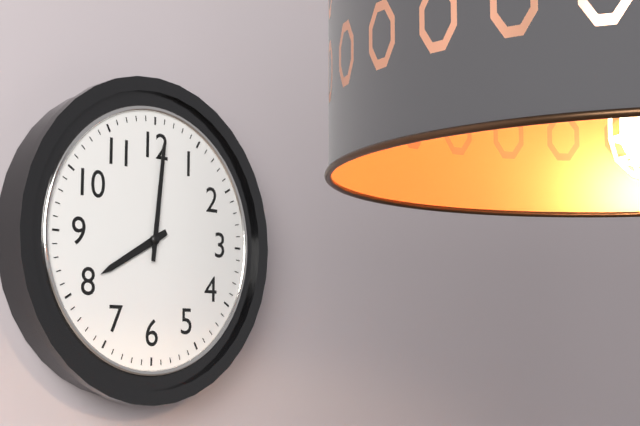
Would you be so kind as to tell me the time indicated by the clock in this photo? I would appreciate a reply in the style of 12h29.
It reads 8h01
